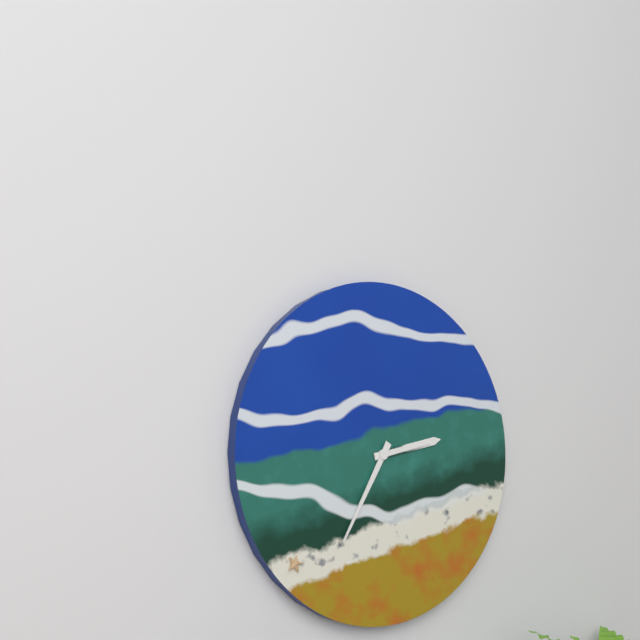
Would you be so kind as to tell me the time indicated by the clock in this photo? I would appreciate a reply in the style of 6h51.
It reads 2h35
